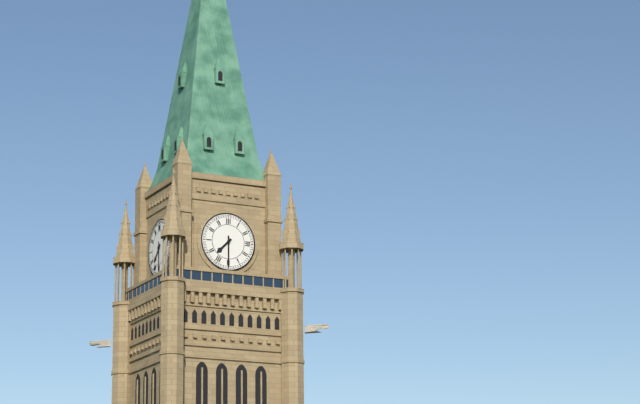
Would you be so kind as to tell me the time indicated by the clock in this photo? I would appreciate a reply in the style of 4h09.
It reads 7h30
